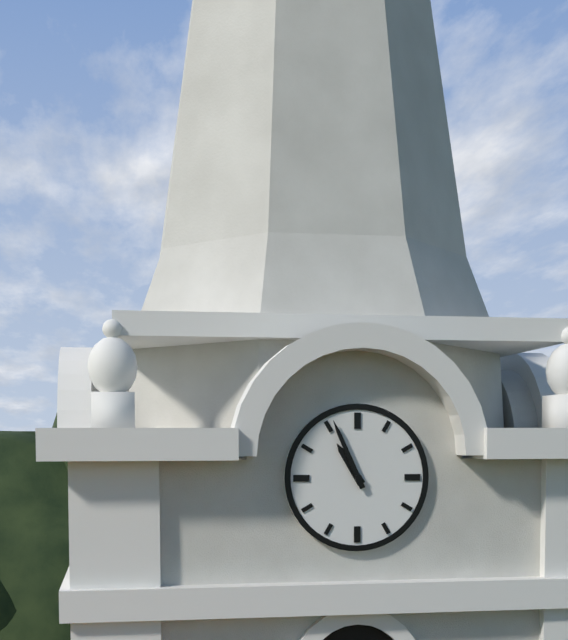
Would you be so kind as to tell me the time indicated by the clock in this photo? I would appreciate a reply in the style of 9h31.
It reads 10h56
